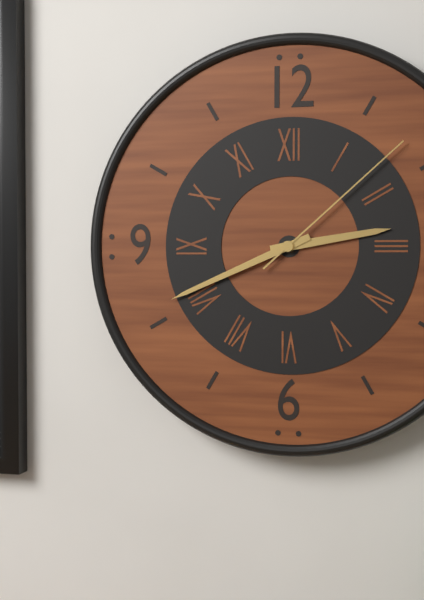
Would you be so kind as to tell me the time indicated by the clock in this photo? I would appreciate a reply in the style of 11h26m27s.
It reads 2h41m08s
